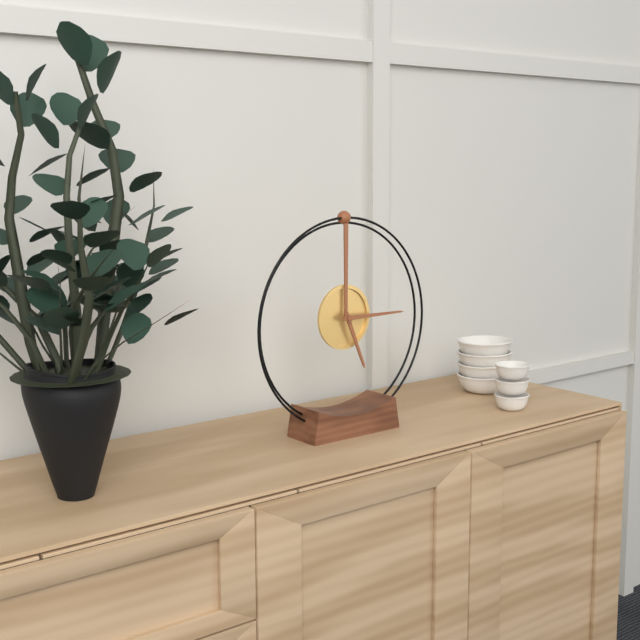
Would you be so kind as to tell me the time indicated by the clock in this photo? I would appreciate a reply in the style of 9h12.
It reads 5h15
